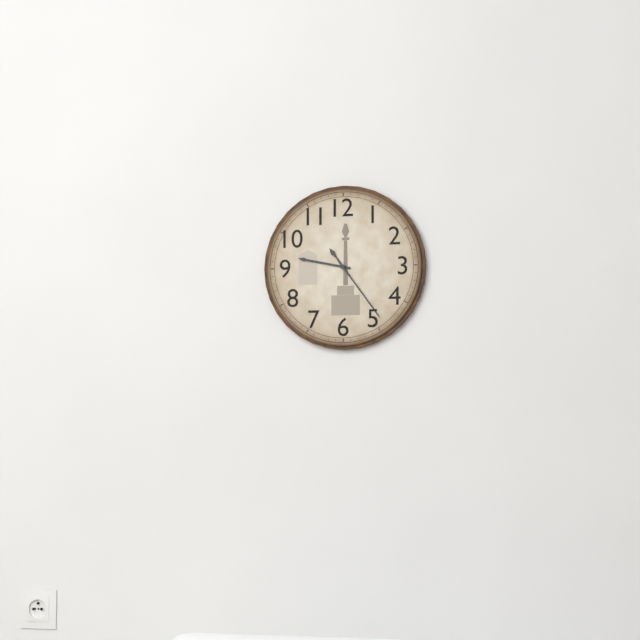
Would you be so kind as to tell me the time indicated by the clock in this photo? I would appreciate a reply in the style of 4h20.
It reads 9h24
